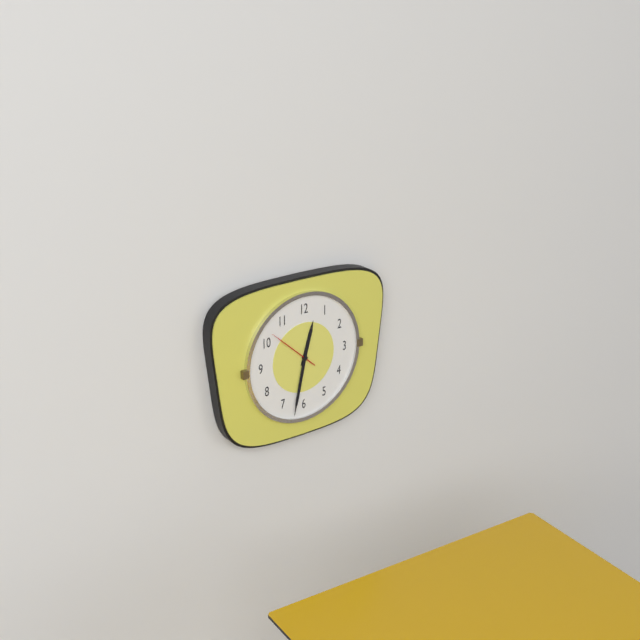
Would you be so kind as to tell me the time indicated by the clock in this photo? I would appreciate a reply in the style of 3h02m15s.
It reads 12h32m52s
